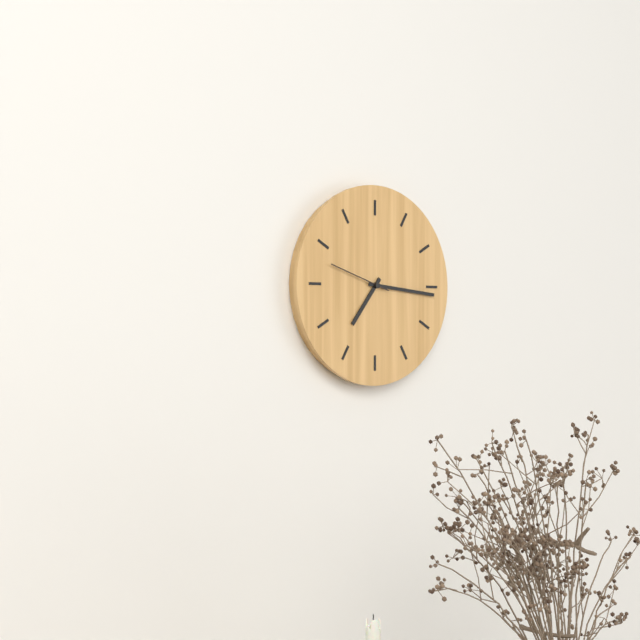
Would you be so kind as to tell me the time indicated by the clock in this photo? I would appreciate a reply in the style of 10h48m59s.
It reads 7h16m48s
